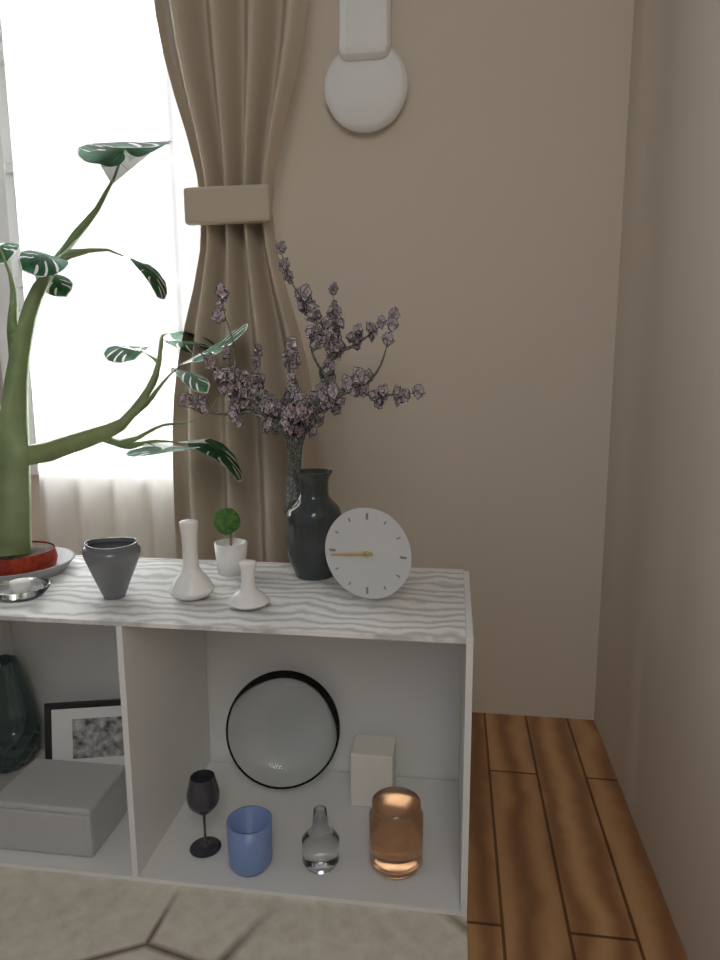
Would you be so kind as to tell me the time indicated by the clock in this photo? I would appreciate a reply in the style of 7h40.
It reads 8h44
